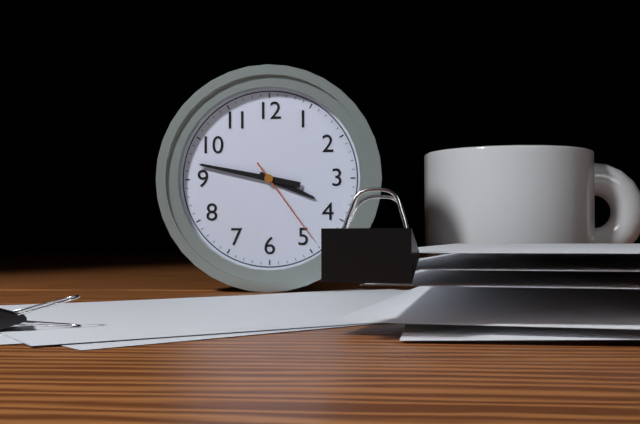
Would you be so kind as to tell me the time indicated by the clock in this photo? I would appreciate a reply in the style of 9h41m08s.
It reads 3h47m24s
